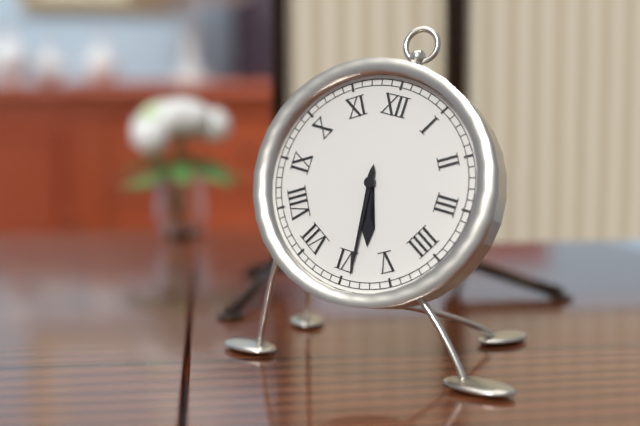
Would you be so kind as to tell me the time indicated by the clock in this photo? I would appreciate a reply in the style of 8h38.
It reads 5h29
